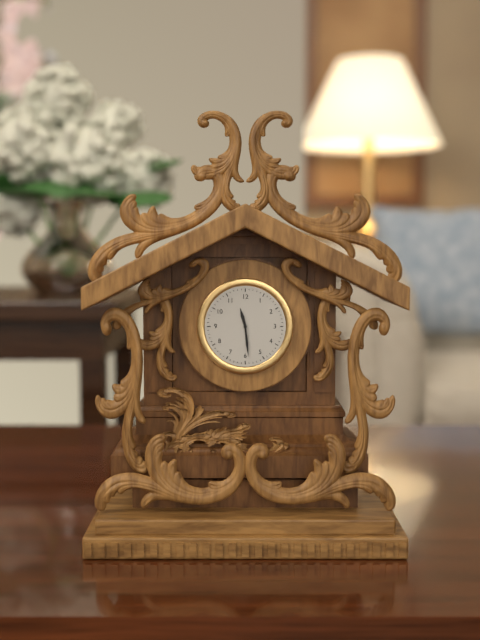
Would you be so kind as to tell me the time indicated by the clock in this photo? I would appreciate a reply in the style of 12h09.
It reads 11h29
